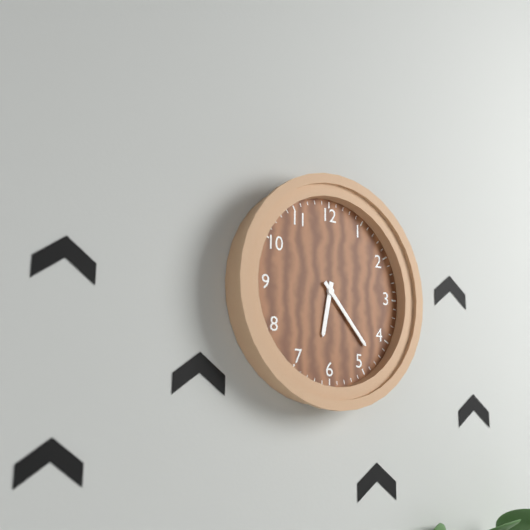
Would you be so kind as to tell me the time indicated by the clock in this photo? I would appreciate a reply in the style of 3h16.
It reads 6h23
